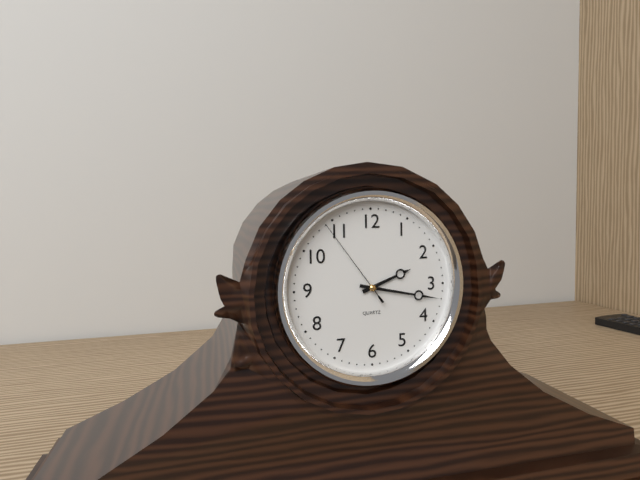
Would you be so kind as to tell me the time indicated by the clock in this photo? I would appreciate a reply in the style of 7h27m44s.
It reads 2h17m54s
